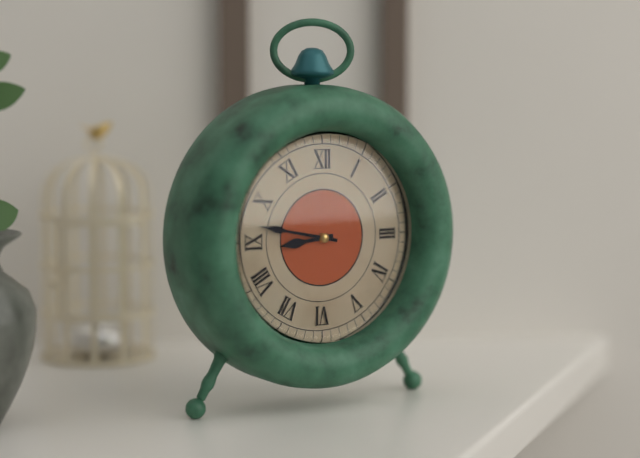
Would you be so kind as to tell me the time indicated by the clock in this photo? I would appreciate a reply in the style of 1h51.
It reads 8h47
